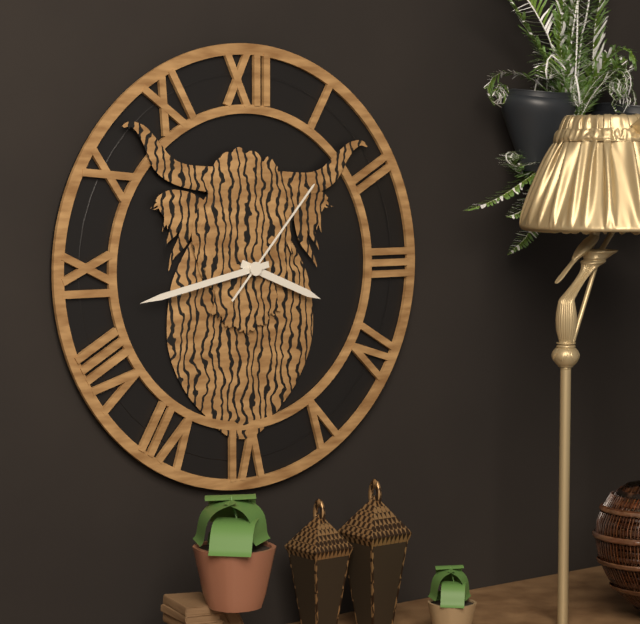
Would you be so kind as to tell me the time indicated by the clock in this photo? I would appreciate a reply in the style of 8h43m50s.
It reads 3h43m07s
